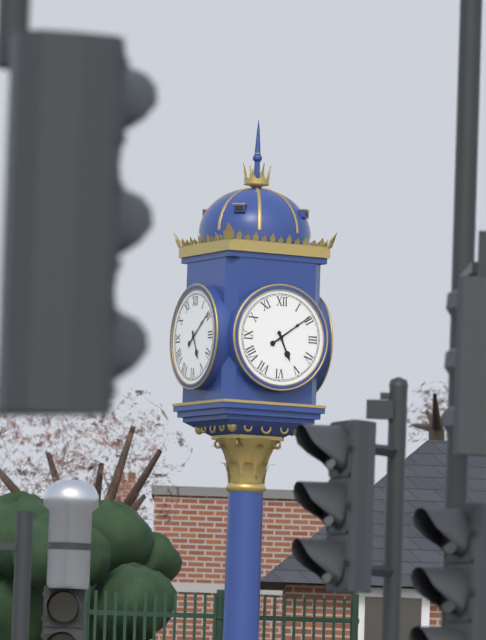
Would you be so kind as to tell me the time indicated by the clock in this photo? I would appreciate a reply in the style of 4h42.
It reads 5h09
